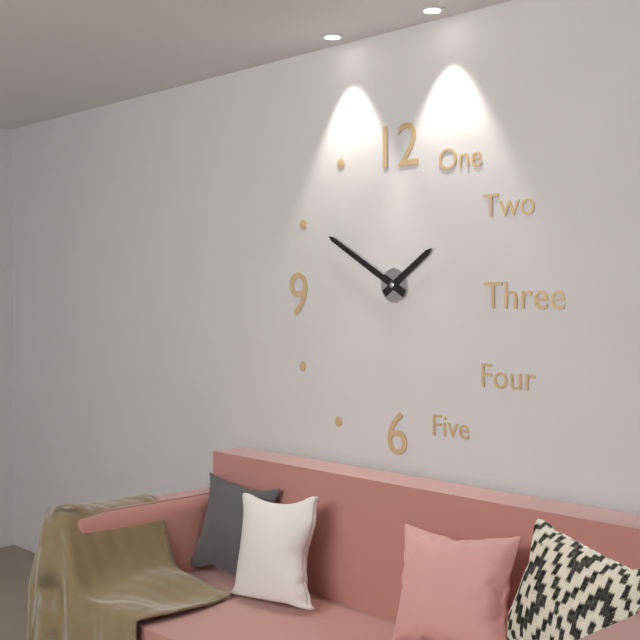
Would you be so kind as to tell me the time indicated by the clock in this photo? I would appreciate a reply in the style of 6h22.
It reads 1h50
